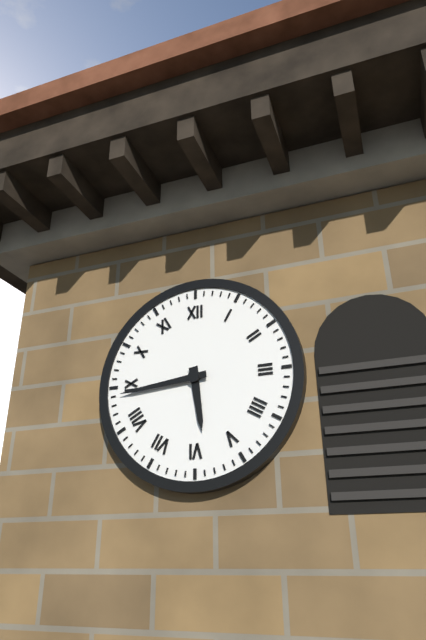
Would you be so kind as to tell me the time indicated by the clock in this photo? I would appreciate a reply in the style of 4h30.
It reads 5h44
